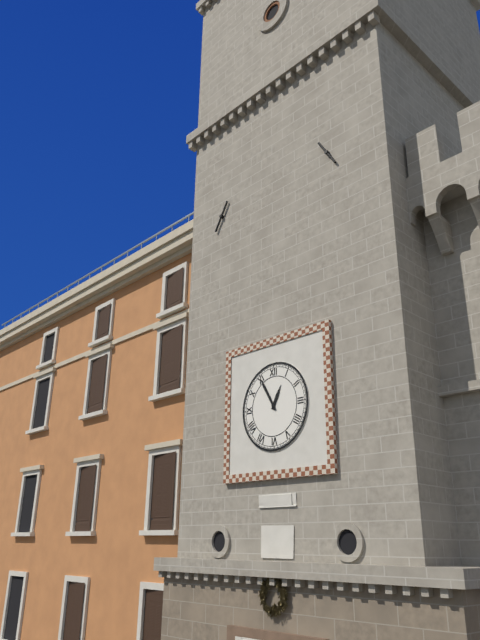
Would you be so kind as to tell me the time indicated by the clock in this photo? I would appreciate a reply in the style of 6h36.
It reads 12h55
